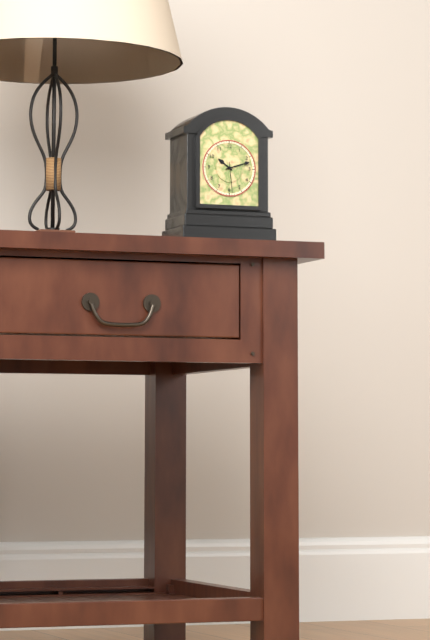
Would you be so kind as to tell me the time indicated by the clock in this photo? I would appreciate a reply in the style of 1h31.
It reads 10h12
